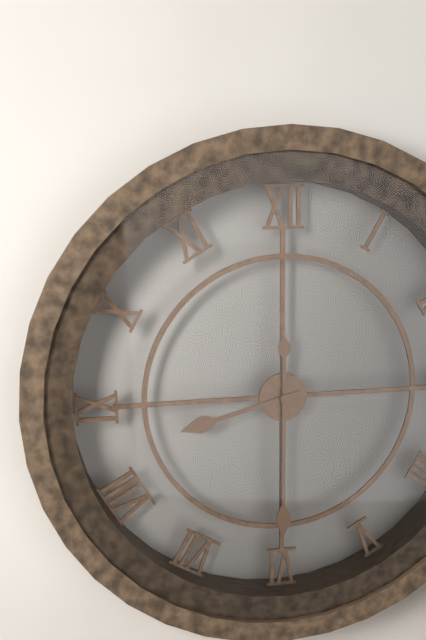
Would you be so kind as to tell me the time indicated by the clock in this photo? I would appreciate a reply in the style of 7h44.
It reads 8h30
